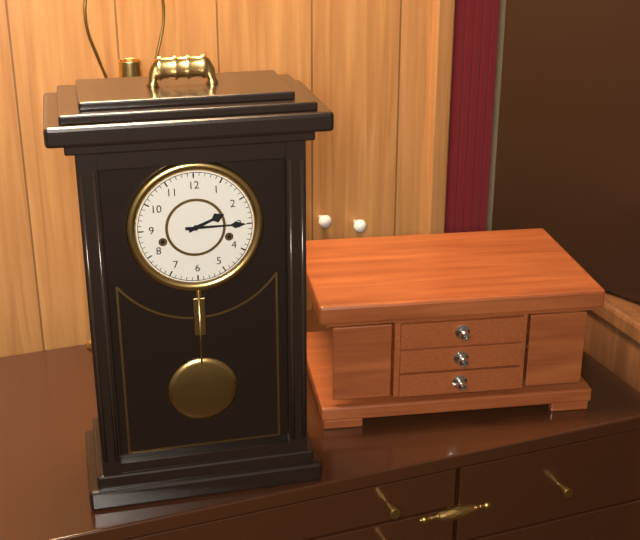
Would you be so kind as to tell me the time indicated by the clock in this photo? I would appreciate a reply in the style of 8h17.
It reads 2h15
